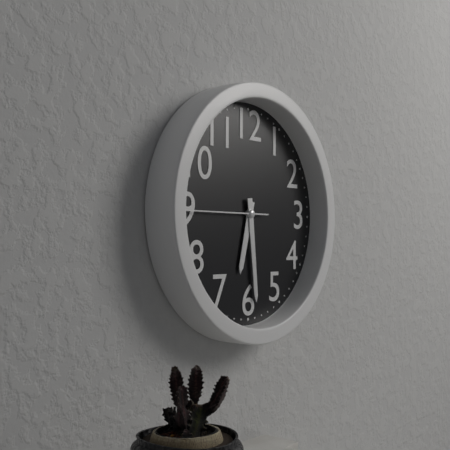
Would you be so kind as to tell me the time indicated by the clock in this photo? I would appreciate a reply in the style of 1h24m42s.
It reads 6h29m45s
